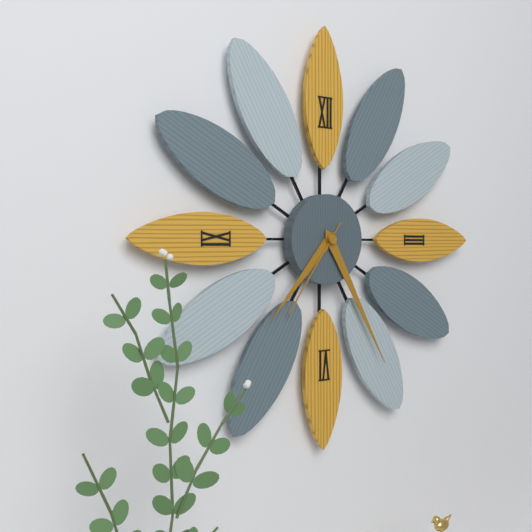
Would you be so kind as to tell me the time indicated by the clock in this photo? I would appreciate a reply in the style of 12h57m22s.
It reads 7h25m36s
